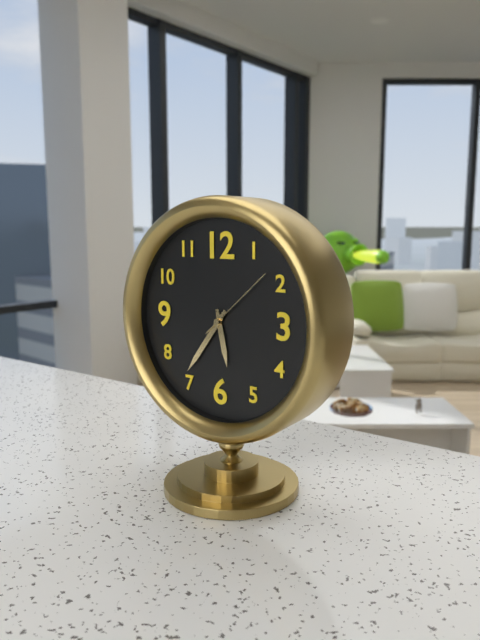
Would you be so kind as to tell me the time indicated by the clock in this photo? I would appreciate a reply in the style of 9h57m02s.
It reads 5h36m08s
